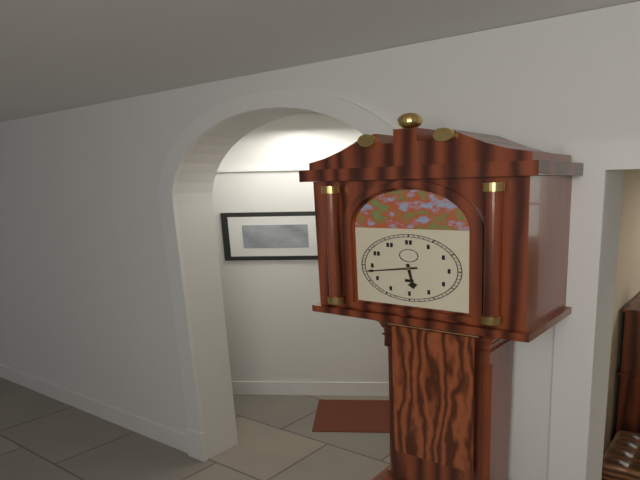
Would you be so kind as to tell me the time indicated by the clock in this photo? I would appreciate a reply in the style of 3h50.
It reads 5h43
